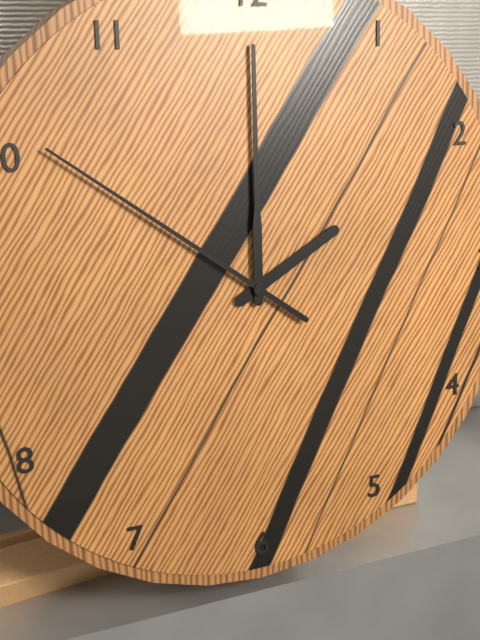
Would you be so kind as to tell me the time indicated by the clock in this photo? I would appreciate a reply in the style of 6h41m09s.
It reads 2h00m51s
